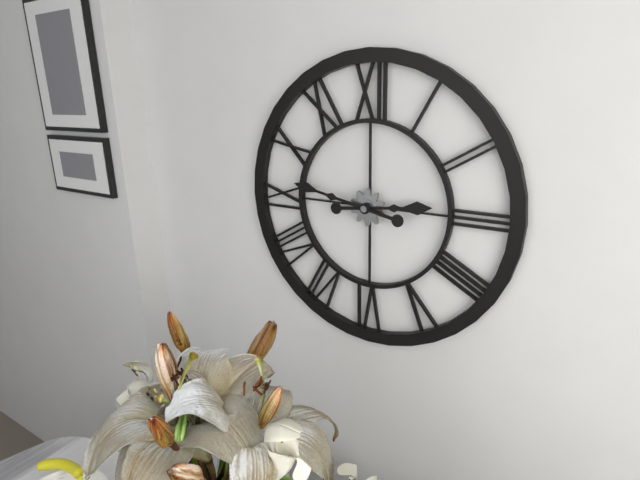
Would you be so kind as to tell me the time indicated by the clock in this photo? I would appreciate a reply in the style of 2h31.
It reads 2h47
